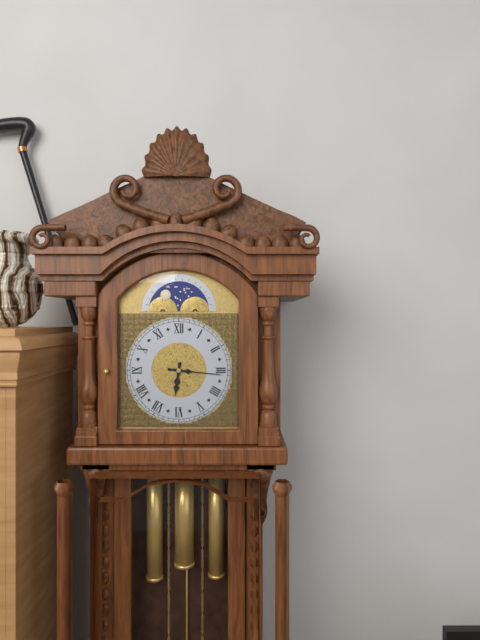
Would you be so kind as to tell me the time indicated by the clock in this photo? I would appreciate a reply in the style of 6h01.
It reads 6h16
